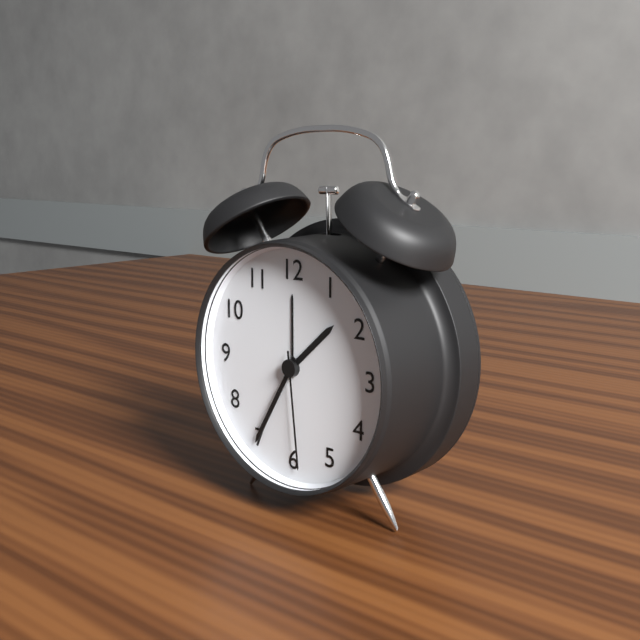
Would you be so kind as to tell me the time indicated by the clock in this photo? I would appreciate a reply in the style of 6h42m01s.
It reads 1h35m29s
